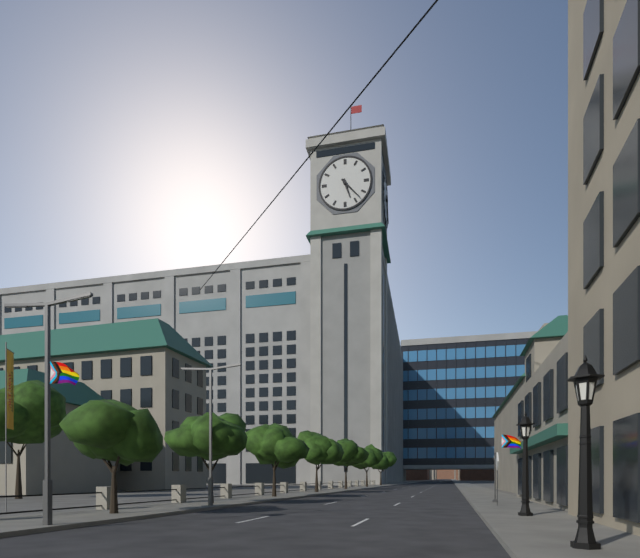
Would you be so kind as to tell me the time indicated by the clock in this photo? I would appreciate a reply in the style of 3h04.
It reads 5h23
